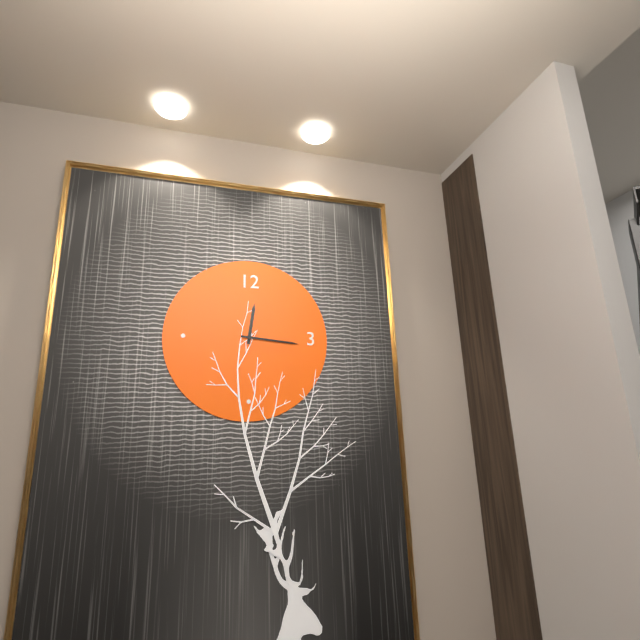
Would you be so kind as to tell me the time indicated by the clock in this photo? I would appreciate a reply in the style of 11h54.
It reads 12h16
